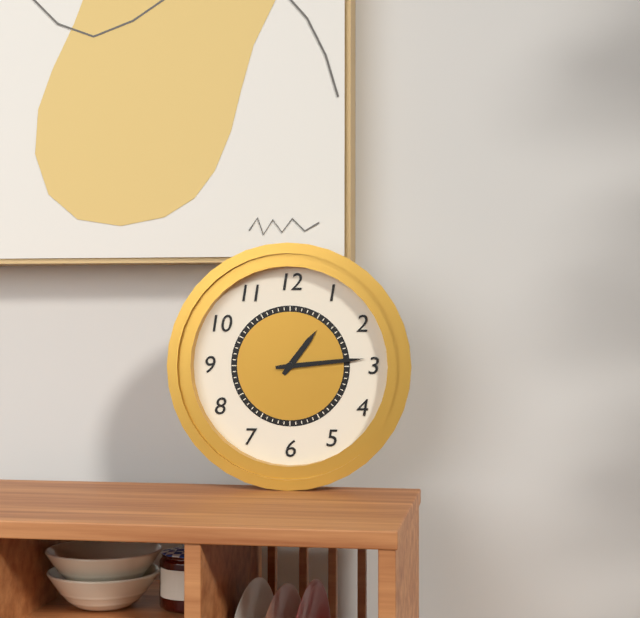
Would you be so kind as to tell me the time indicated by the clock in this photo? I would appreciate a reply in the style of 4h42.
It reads 1h14
